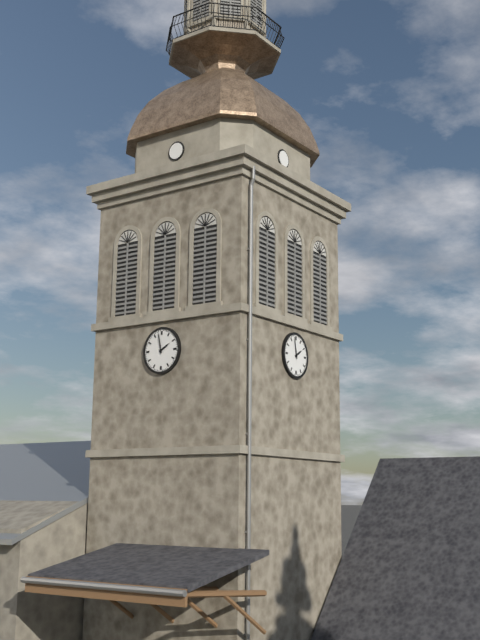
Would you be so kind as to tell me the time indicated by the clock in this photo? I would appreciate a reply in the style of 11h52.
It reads 1h58
